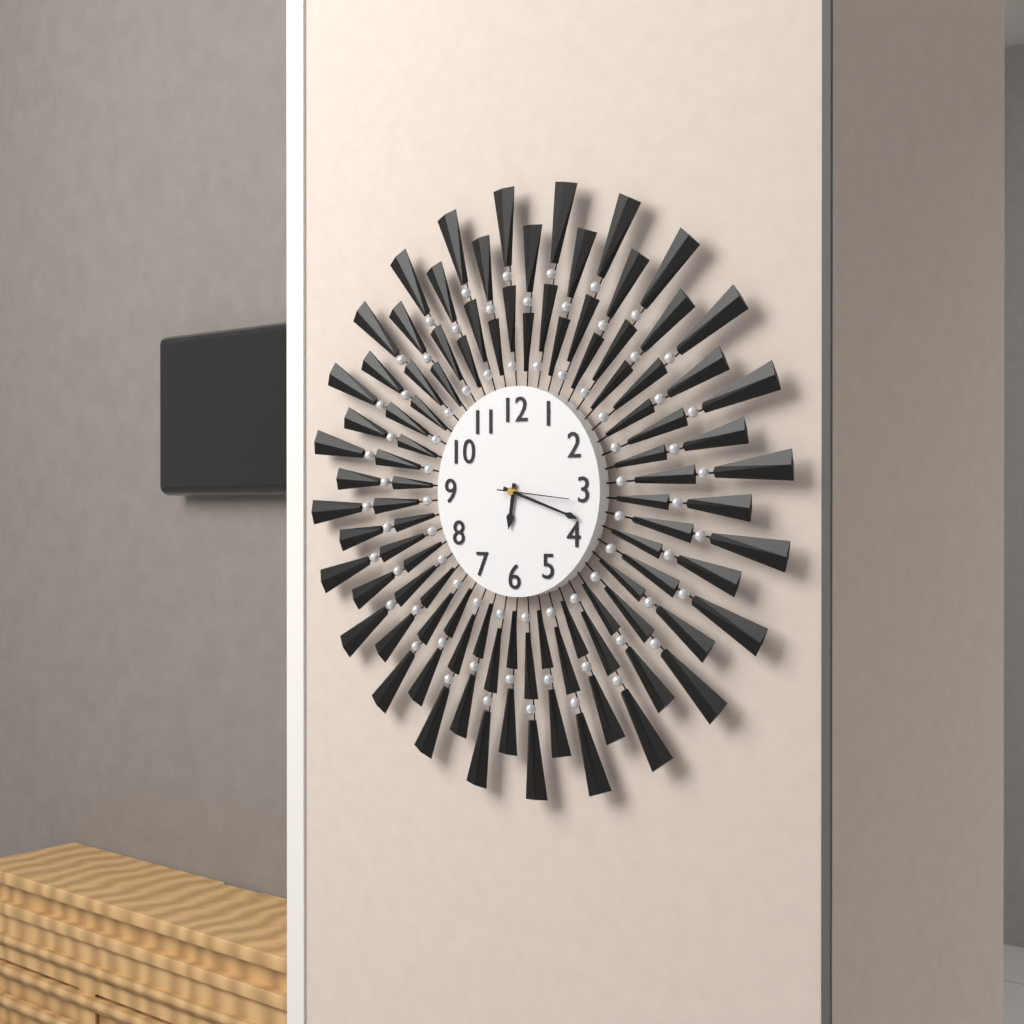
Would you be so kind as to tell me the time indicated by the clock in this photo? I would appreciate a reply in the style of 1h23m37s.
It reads 6h18m16s
